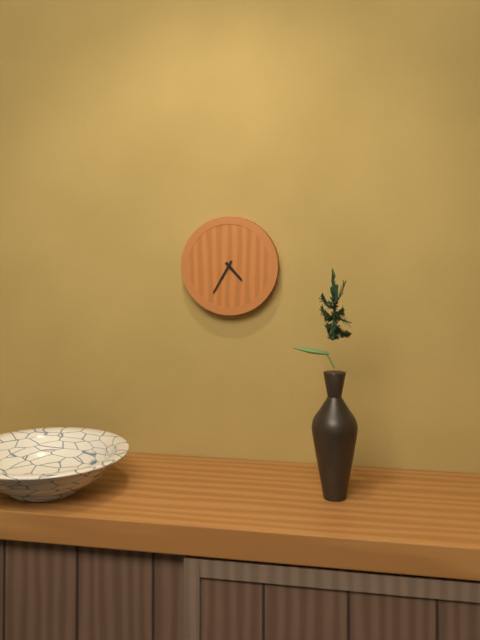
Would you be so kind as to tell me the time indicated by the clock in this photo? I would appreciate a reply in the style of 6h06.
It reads 4h35
